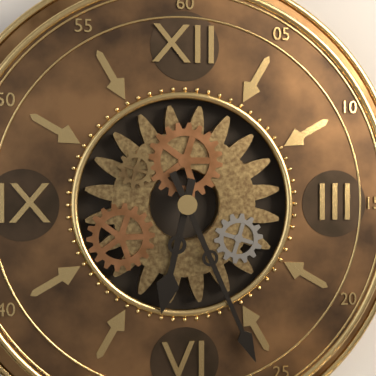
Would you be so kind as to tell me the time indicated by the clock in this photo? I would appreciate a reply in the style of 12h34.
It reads 6h26
